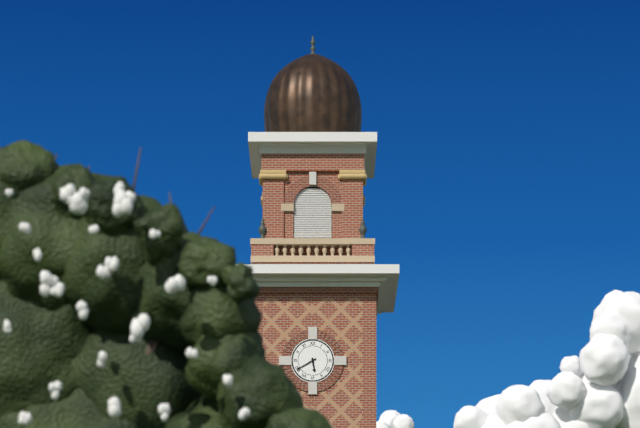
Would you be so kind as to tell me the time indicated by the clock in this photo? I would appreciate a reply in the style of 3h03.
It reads 5h40
